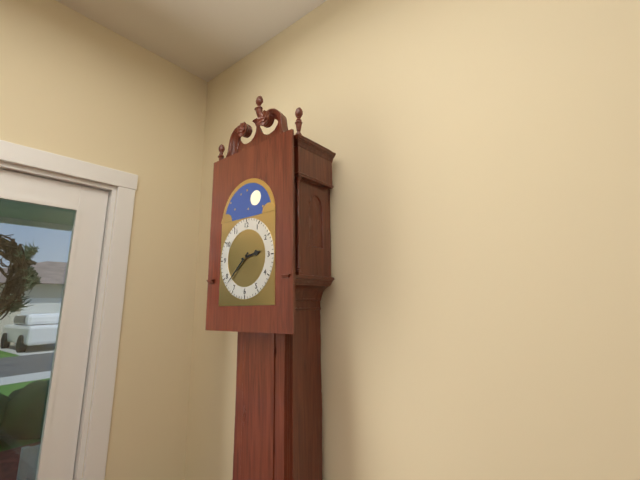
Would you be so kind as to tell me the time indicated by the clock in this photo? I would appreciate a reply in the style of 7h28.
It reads 2h38
